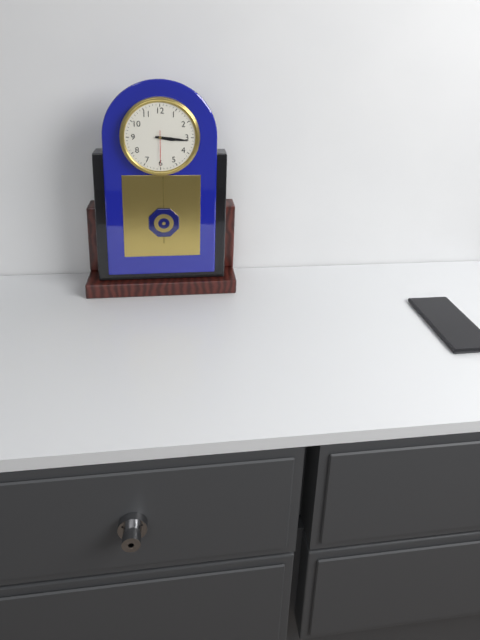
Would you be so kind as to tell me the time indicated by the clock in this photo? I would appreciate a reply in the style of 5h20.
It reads 3h16
